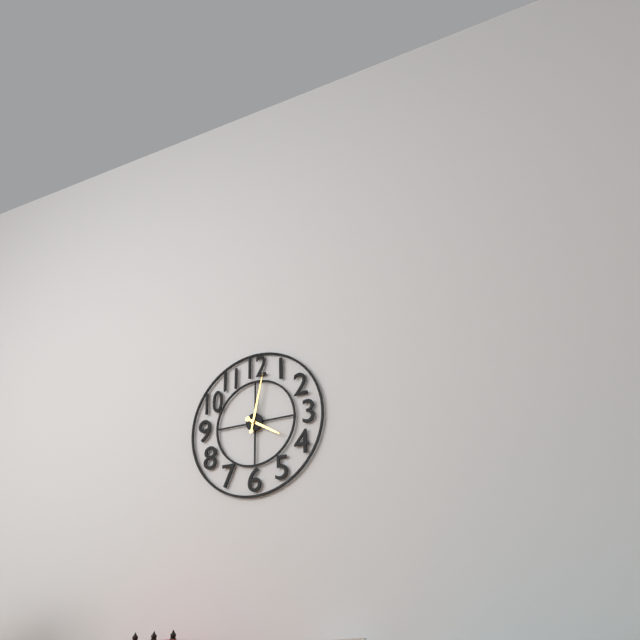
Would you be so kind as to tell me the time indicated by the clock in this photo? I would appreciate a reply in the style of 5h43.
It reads 4h02
